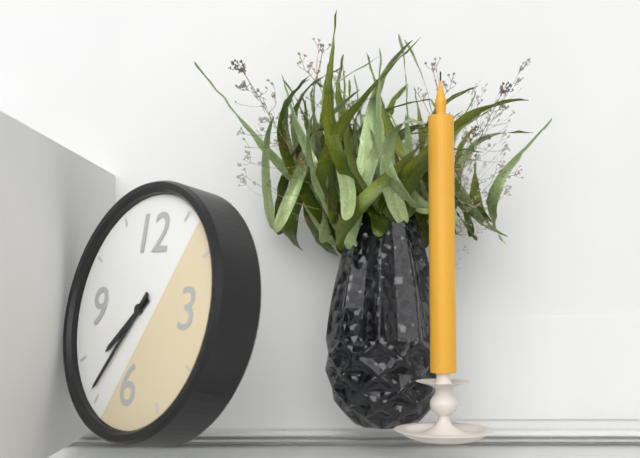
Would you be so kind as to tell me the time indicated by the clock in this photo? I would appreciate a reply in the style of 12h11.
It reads 7h36
